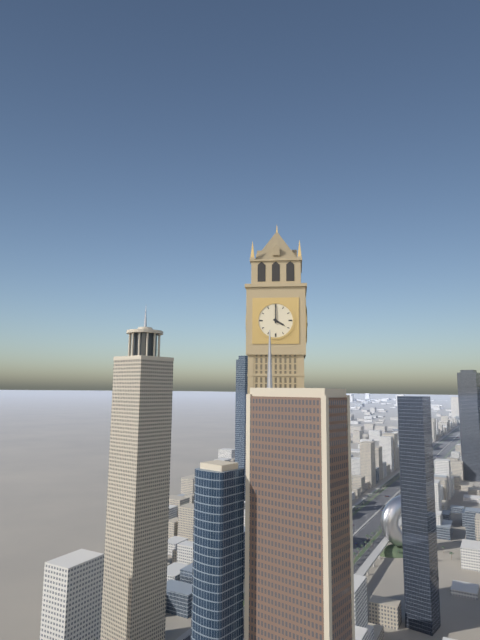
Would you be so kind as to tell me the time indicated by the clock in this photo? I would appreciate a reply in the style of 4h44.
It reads 4h00
